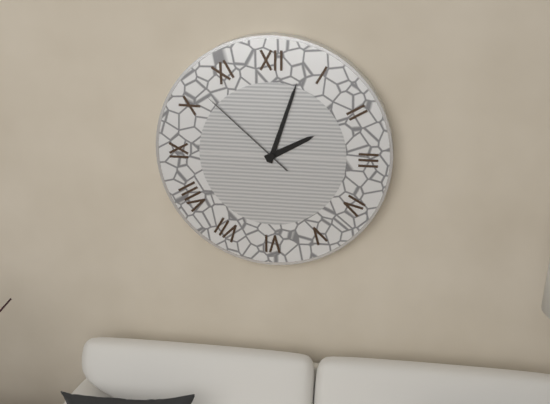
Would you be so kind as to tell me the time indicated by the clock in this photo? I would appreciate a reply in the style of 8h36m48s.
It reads 2h03m52s
